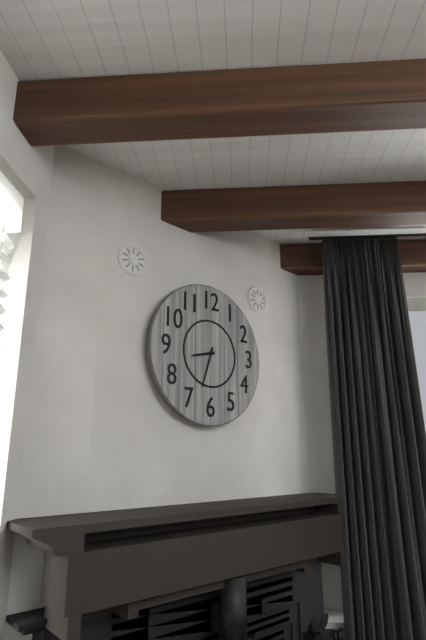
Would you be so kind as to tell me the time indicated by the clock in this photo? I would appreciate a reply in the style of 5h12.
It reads 8h33
